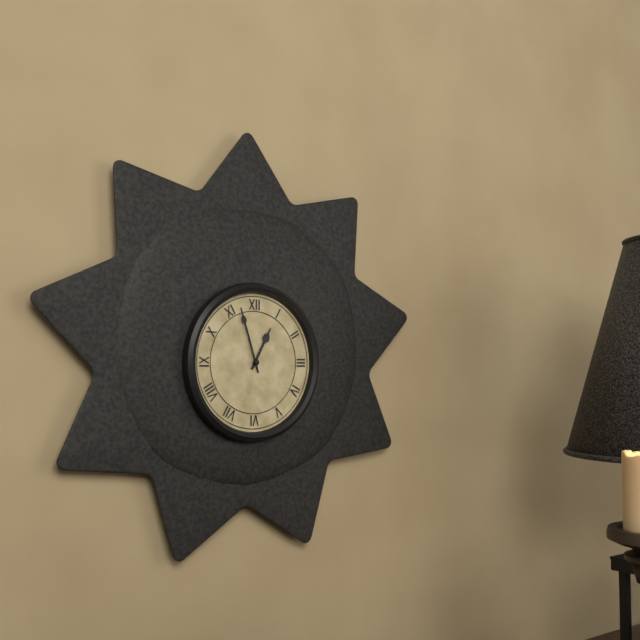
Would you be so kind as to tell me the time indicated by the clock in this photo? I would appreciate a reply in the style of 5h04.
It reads 12h57
